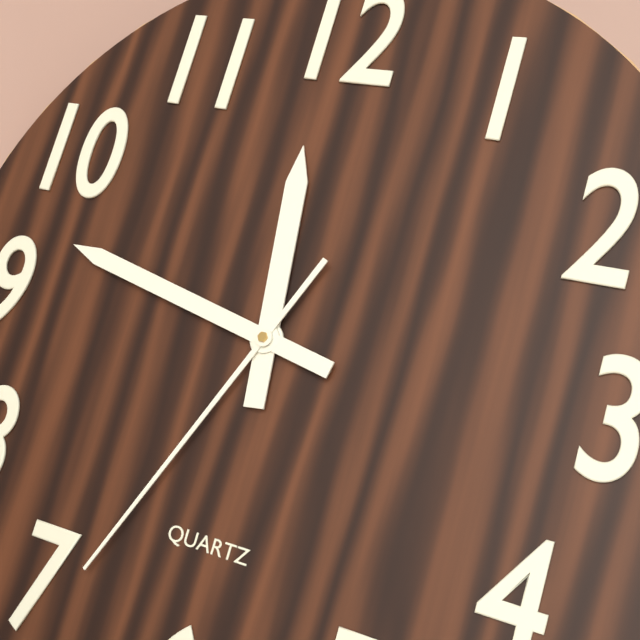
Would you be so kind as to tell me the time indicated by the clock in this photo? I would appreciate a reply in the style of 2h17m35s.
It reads 11h47m34s
